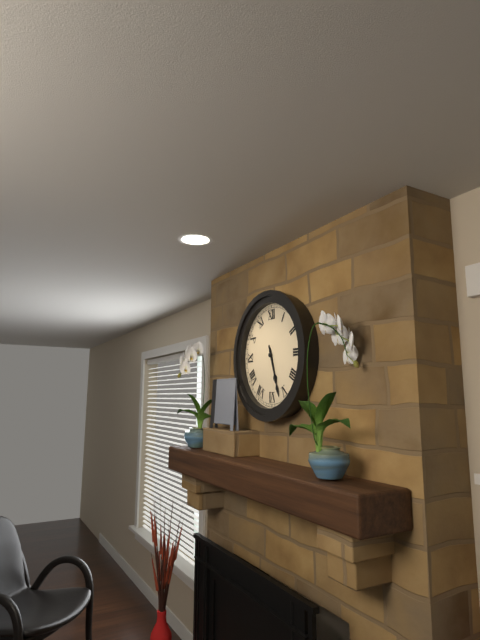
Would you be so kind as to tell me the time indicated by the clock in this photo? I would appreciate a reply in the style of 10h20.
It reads 5h27
